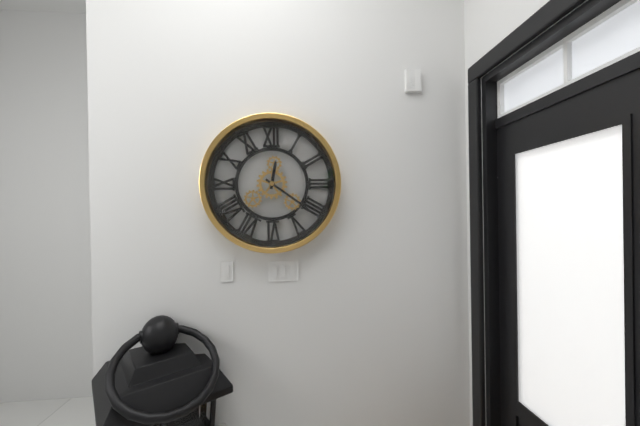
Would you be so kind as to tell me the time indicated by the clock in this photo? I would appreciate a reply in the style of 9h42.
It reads 12h21
